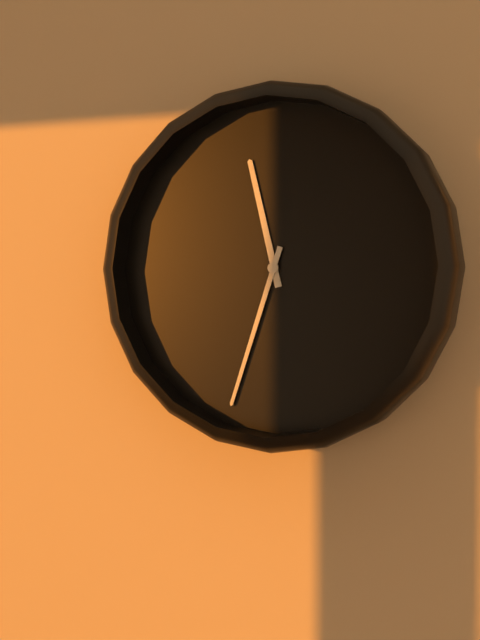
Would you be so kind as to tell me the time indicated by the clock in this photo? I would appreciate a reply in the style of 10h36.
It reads 11h33
